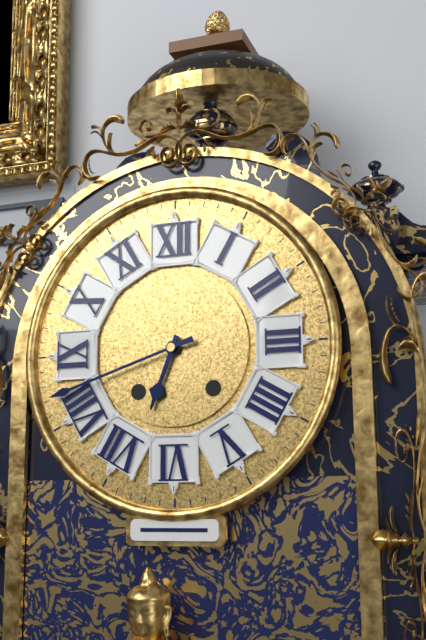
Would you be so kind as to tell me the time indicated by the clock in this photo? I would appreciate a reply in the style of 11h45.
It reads 6h42
